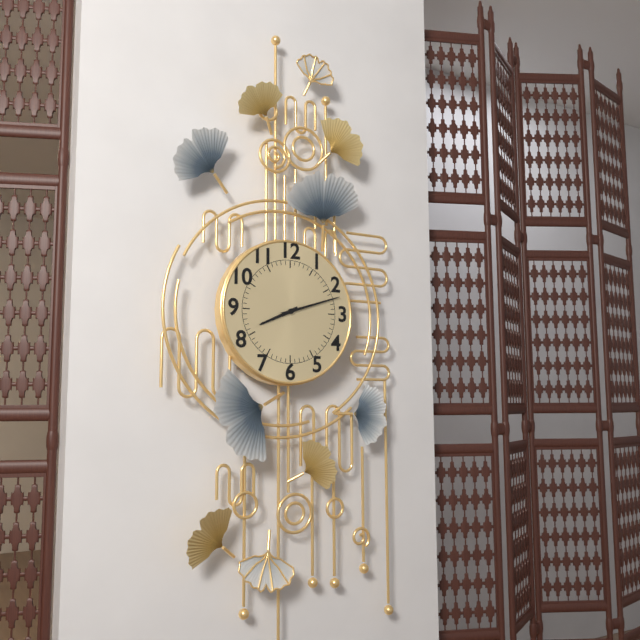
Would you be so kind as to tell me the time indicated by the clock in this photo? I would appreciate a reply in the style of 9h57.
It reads 8h12
